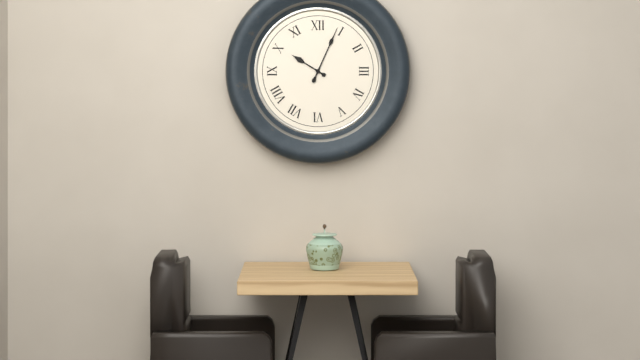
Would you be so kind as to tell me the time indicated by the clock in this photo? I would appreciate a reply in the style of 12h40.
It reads 10h04
